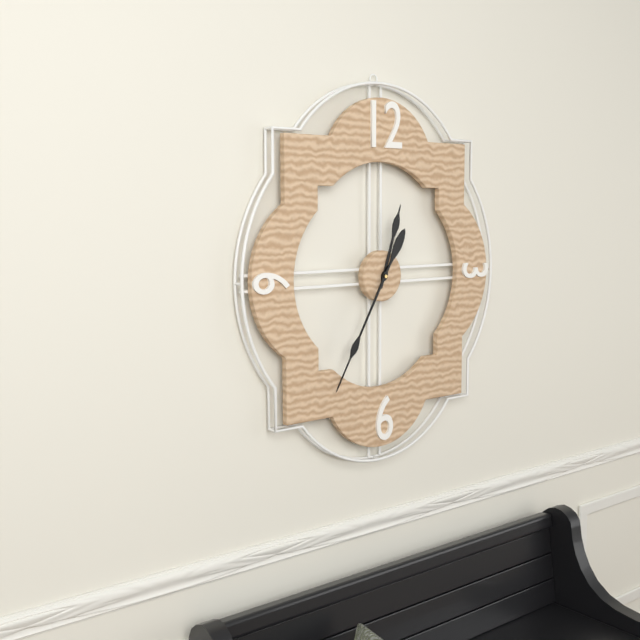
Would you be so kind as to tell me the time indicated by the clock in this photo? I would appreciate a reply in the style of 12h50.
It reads 12h35
